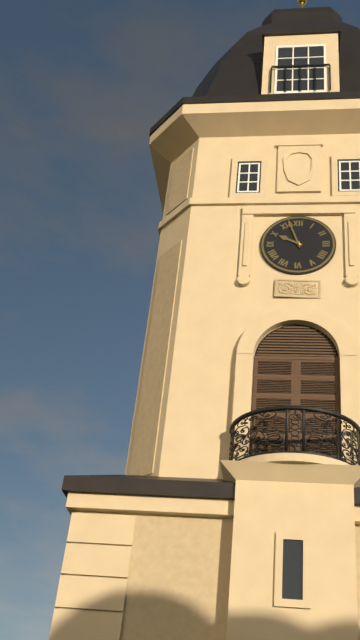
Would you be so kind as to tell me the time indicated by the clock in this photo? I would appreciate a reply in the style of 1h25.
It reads 9h57
